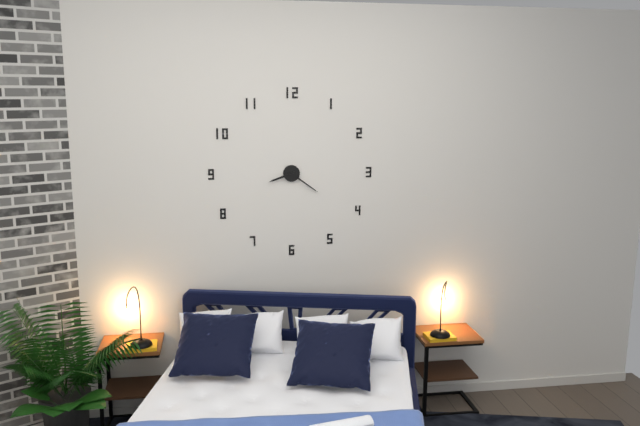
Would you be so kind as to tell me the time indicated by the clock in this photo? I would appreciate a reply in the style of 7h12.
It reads 8h21
